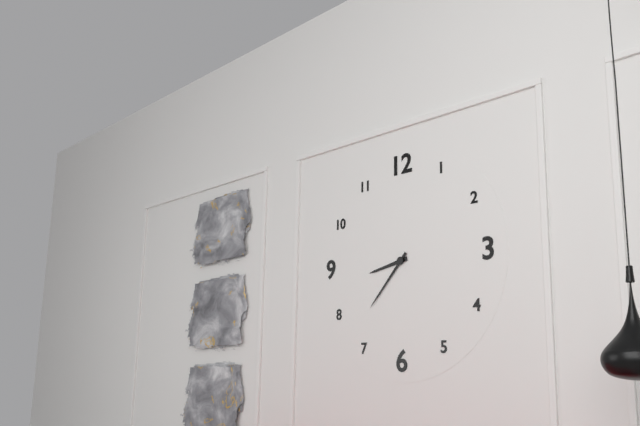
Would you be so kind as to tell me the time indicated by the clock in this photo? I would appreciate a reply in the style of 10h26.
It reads 8h37
